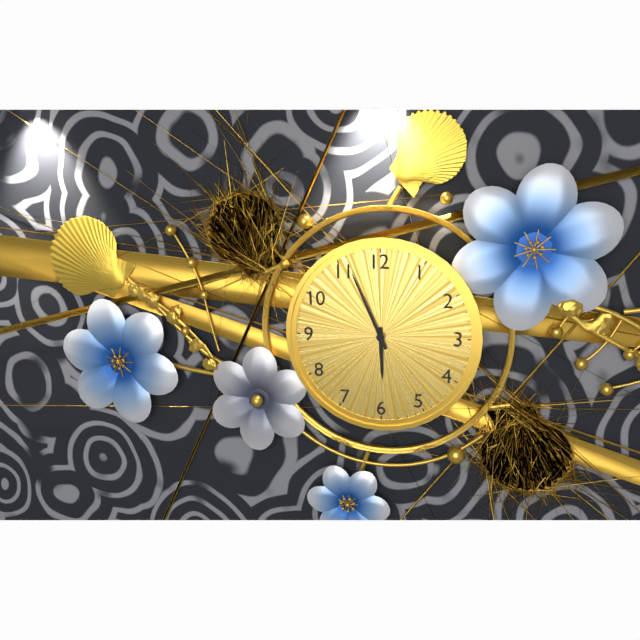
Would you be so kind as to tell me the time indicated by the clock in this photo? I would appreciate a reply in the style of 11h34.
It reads 5h56
